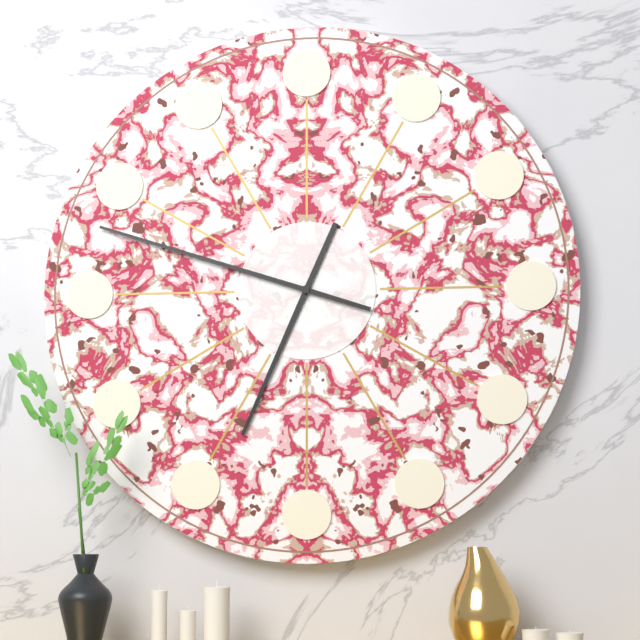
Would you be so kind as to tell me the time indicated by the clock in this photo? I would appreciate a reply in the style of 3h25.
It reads 6h48
